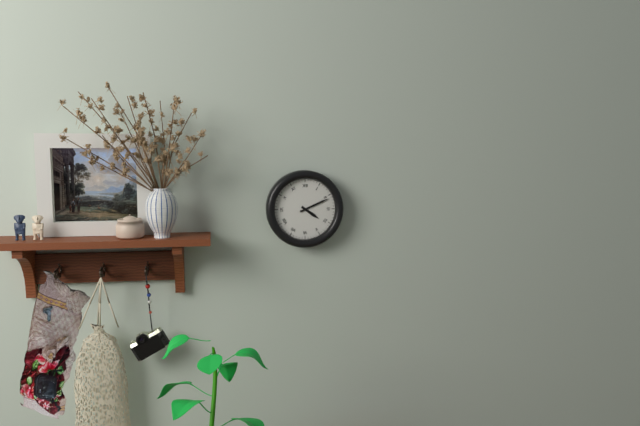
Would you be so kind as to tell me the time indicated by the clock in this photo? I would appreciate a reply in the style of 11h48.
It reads 4h11
